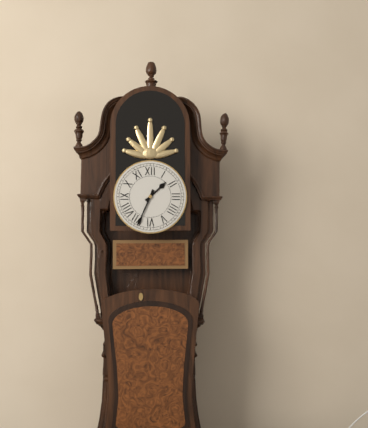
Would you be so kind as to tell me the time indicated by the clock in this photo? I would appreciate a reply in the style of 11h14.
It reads 1h34
